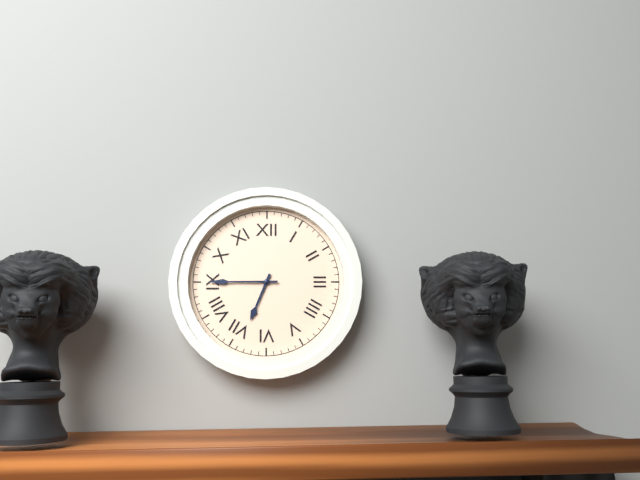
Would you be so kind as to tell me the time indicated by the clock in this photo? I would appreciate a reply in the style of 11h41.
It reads 6h45
